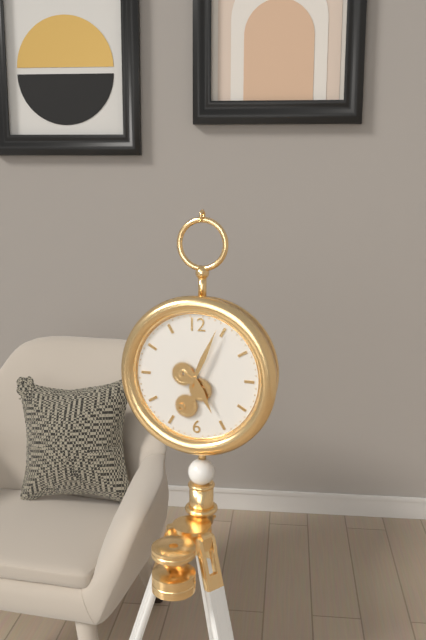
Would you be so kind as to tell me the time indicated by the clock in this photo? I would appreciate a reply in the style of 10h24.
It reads 5h04
